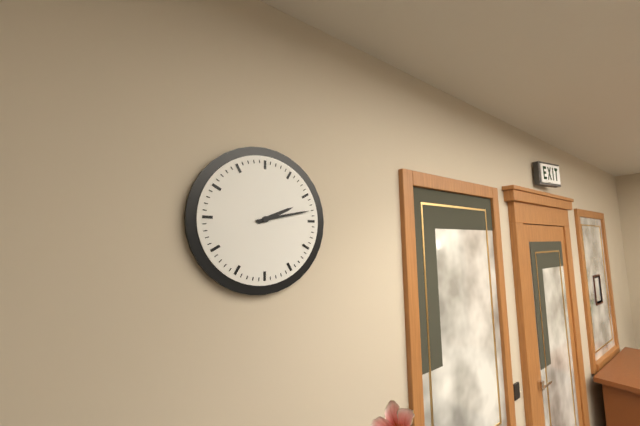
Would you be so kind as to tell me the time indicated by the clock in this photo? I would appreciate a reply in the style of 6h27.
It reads 2h13
